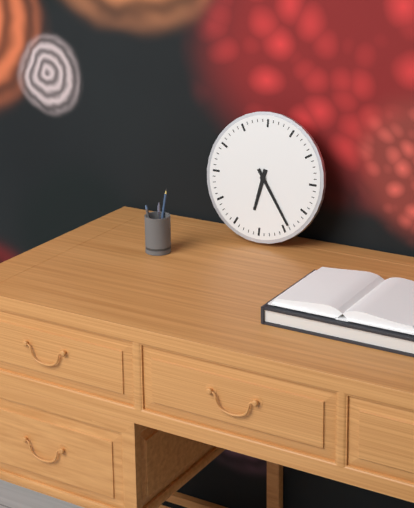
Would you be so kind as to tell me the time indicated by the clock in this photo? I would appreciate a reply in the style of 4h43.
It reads 6h24
